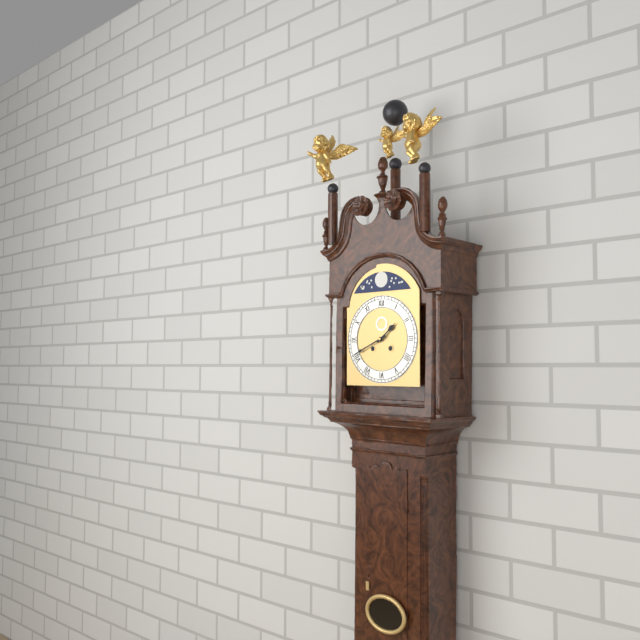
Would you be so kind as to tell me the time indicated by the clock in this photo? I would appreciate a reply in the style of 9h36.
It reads 1h41
